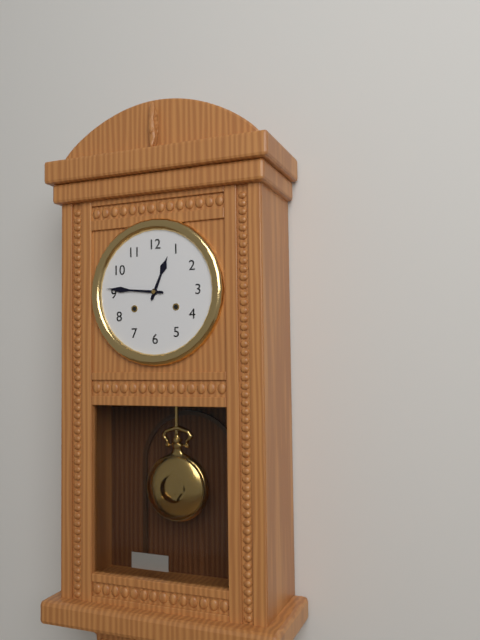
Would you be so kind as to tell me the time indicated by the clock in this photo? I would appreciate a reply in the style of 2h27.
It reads 12h46
